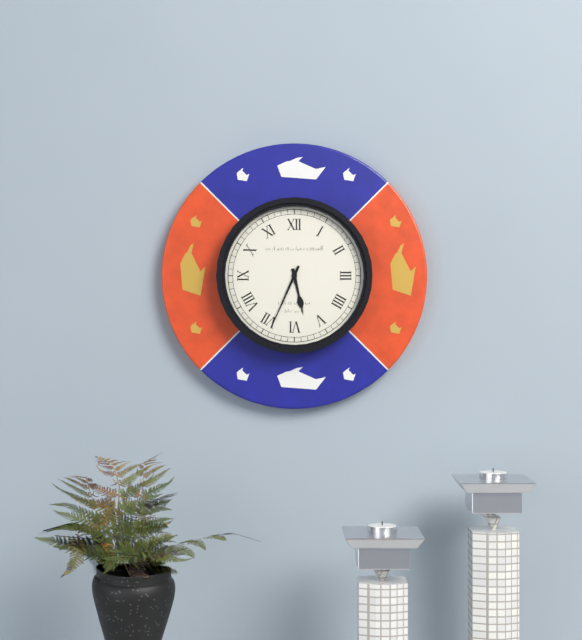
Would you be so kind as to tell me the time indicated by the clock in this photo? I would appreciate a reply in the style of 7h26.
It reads 5h34
